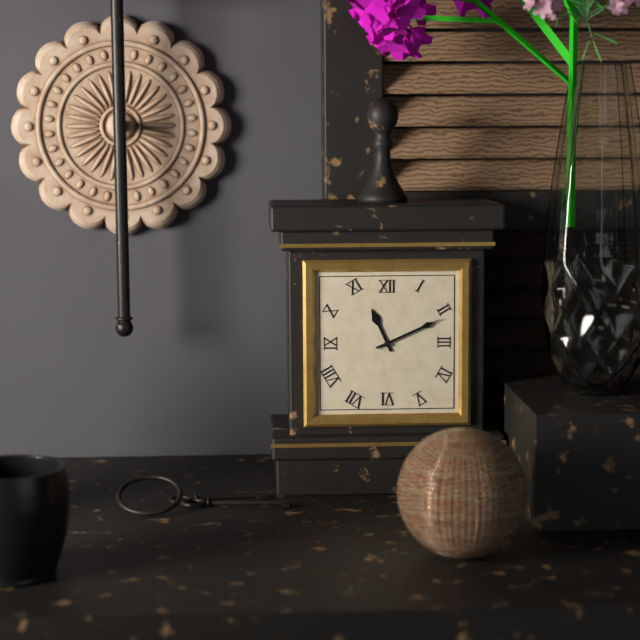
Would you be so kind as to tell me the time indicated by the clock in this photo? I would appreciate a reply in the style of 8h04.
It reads 11h11
